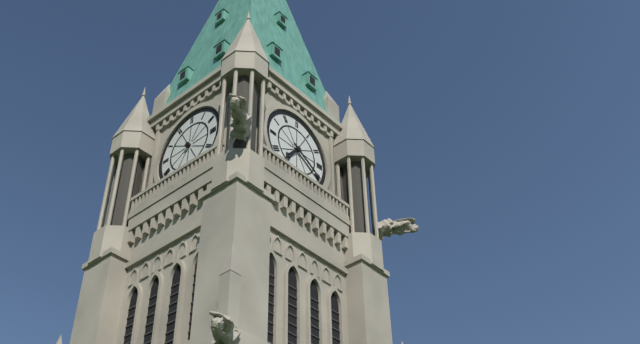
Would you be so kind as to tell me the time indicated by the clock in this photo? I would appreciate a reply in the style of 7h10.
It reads 7h20
